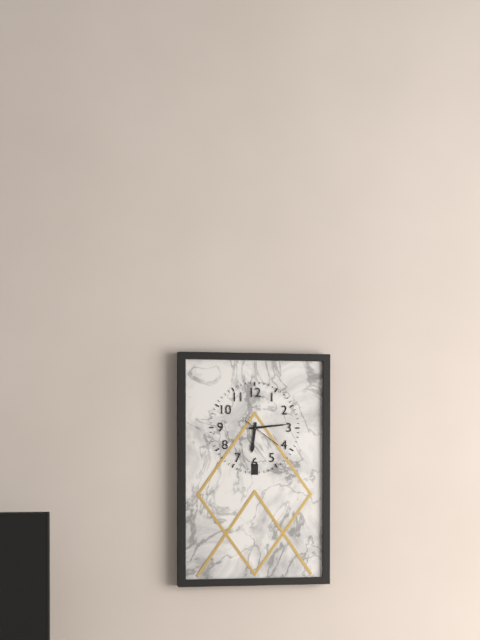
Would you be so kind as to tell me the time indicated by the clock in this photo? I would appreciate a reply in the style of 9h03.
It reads 6h14
